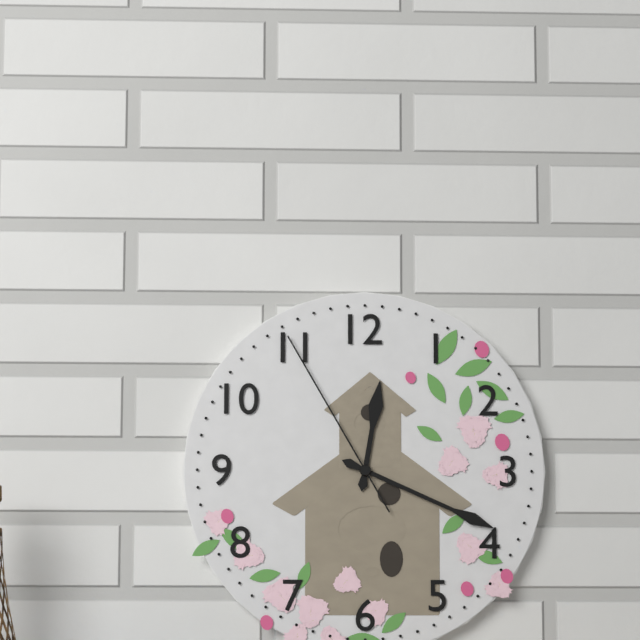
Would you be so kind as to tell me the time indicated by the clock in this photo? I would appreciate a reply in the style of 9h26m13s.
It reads 12h19m55s
